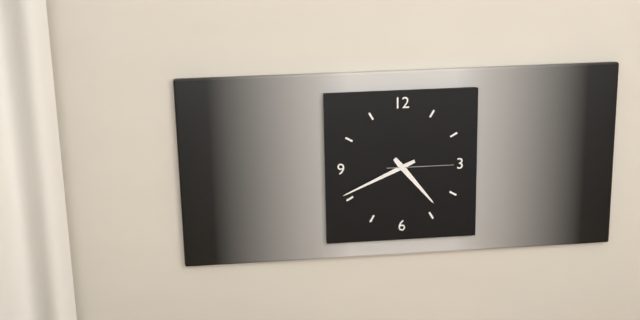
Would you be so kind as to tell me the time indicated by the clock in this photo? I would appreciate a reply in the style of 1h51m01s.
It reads 4h41m15s
